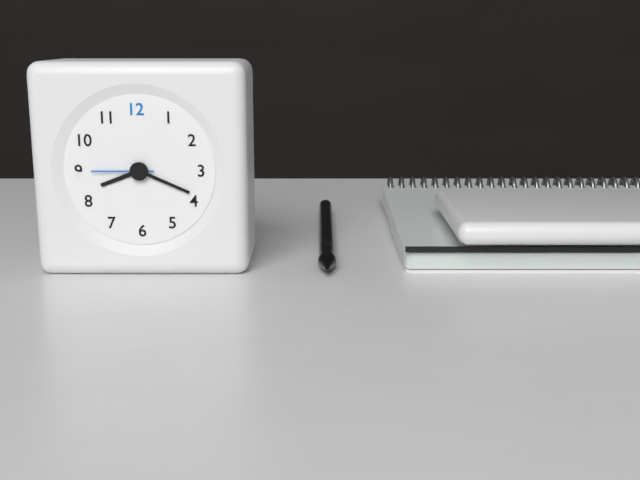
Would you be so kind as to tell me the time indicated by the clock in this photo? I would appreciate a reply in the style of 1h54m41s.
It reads 8h19m45s
